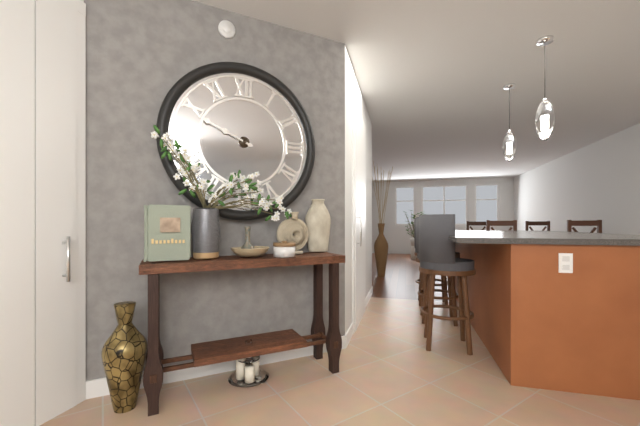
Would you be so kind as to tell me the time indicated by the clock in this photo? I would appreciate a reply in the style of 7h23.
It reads 9h49
